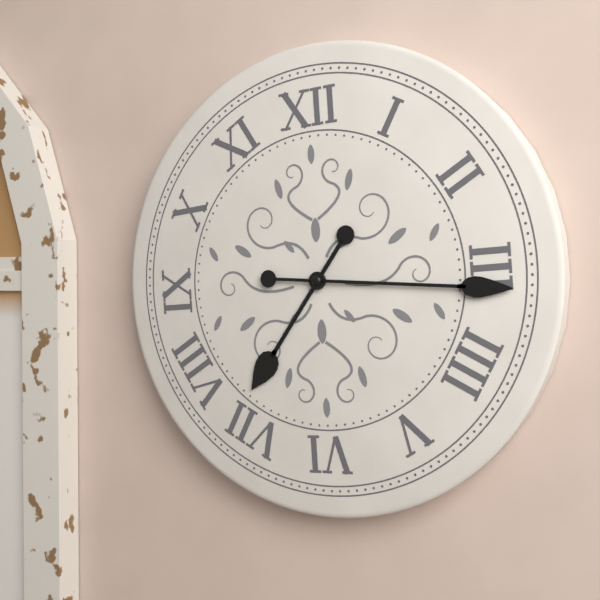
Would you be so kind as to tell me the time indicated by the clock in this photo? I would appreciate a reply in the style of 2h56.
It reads 7h16
